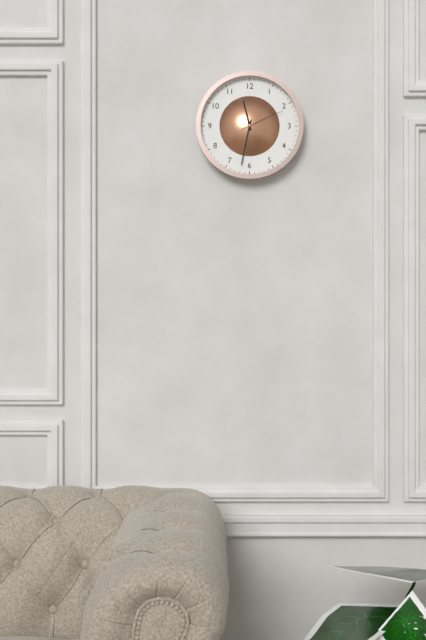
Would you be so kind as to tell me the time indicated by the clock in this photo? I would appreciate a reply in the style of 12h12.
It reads 11h32
